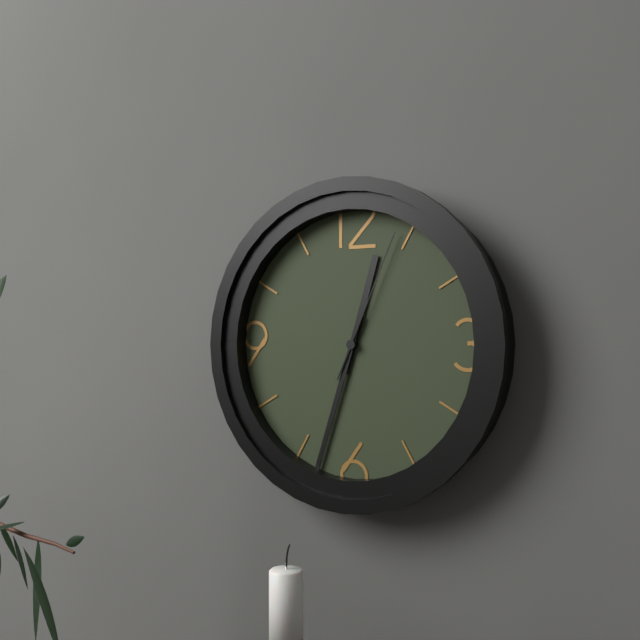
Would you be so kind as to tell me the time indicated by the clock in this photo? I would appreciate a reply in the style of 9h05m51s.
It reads 12h33m04s
